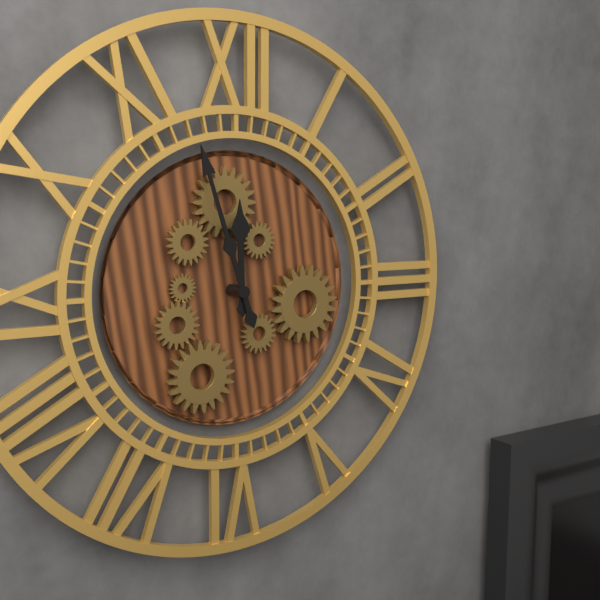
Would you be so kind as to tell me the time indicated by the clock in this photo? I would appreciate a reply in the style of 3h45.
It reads 11h57
